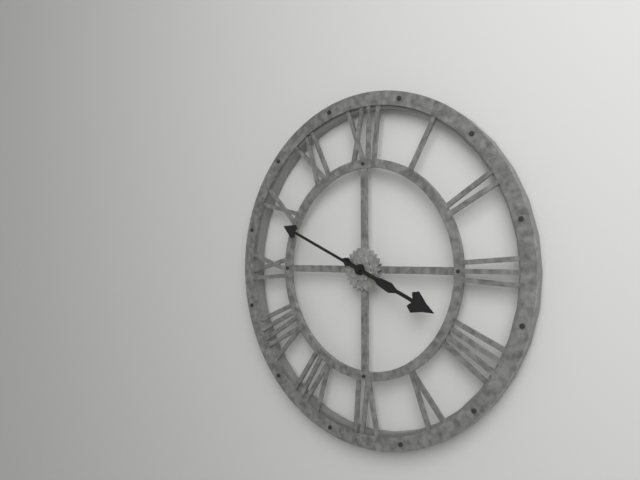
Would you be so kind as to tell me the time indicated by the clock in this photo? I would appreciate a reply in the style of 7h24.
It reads 3h49
